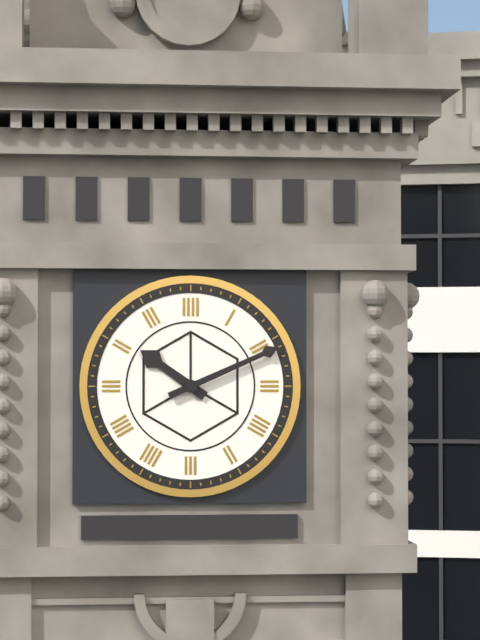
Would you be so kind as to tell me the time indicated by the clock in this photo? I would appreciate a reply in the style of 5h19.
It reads 10h11
